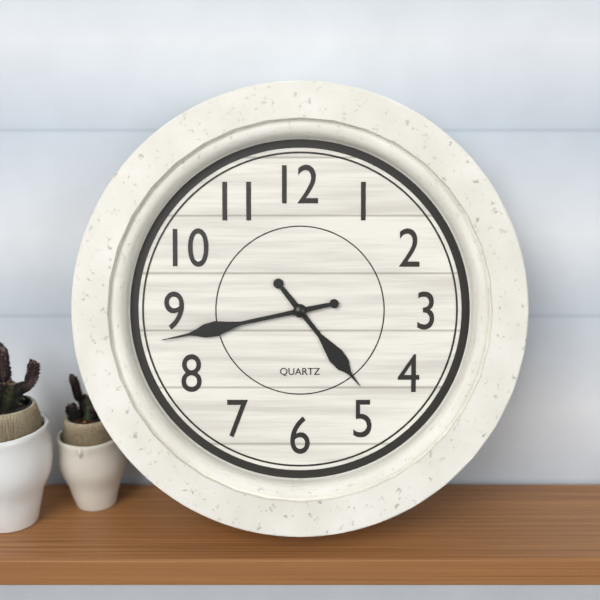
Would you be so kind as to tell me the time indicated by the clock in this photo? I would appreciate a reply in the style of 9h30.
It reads 4h43
